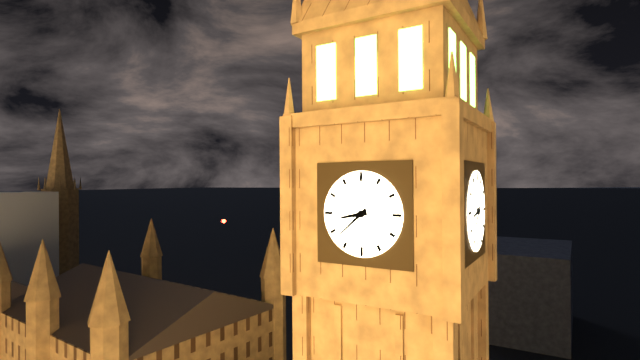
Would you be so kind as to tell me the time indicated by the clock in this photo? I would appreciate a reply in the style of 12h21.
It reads 8h38
